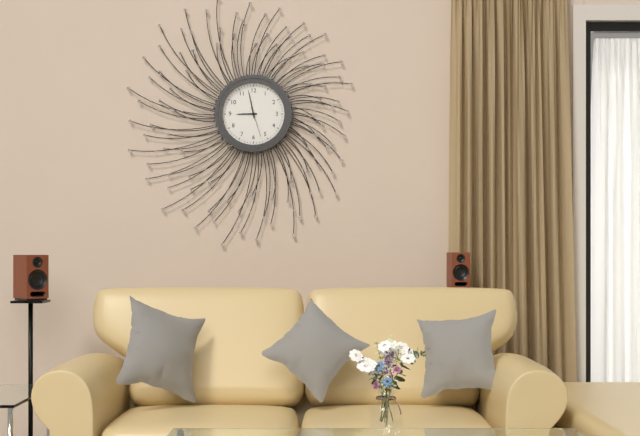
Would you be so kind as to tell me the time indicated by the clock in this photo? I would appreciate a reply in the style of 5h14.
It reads 8h58
